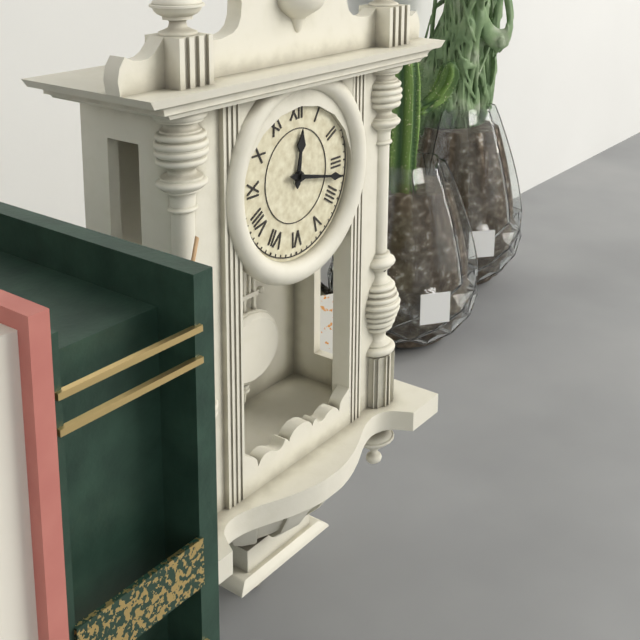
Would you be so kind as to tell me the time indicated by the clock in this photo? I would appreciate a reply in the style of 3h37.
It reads 12h17
